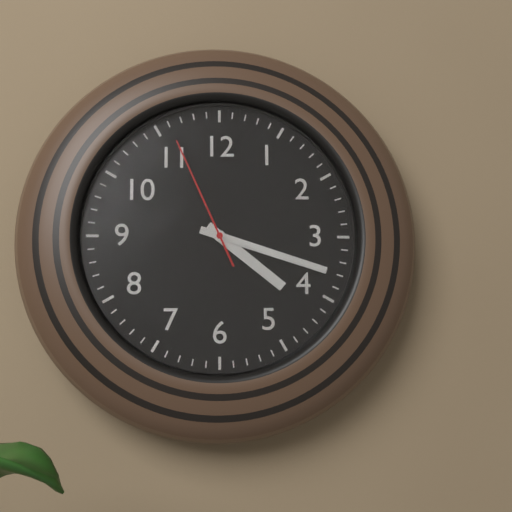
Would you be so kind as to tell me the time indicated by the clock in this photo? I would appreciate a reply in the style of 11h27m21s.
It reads 4h18m56s
